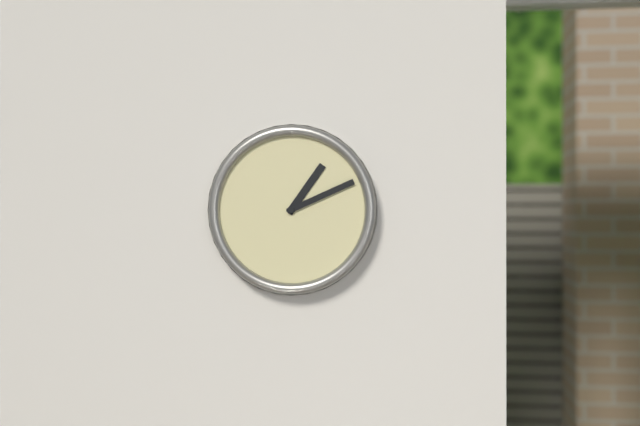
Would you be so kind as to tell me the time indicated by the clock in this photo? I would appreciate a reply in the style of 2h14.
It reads 1h11
